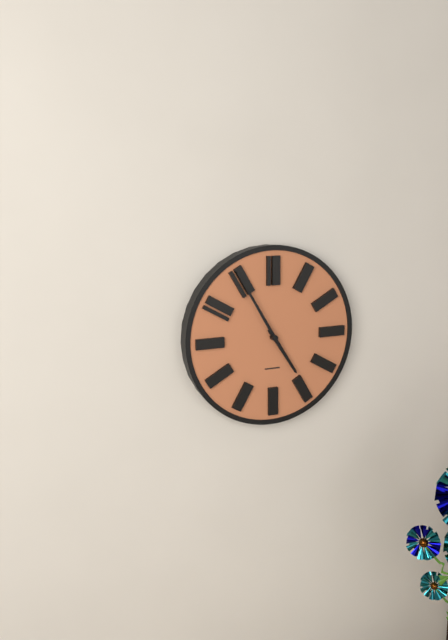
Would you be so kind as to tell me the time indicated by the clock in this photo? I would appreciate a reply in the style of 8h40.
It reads 4h55
